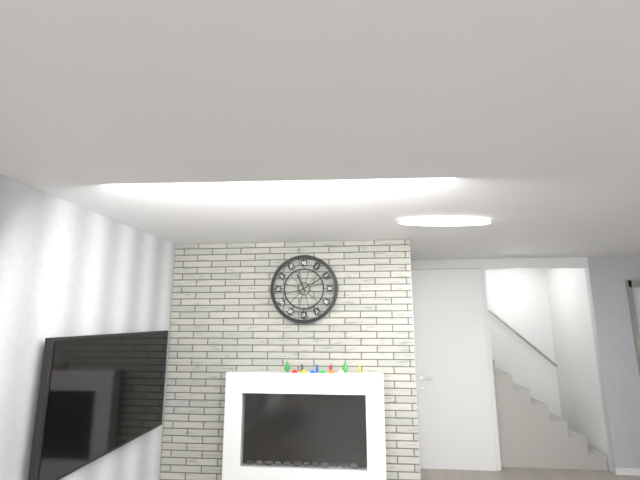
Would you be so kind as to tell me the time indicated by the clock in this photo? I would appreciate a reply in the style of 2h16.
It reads 11h10
